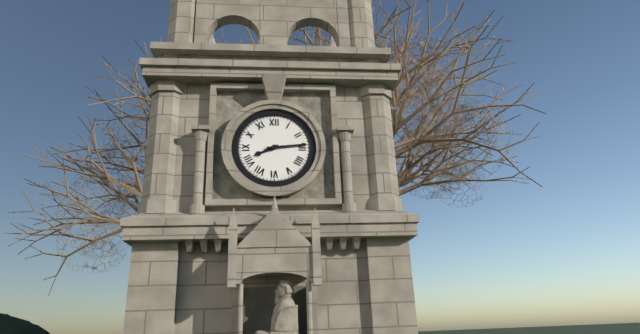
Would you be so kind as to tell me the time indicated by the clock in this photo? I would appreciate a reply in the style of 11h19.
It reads 8h14
